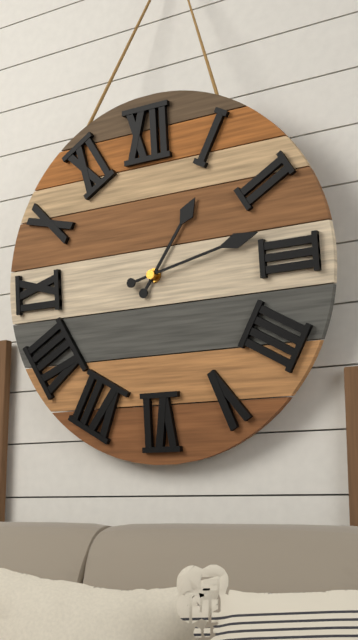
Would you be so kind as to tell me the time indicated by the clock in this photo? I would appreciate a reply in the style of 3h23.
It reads 1h13
